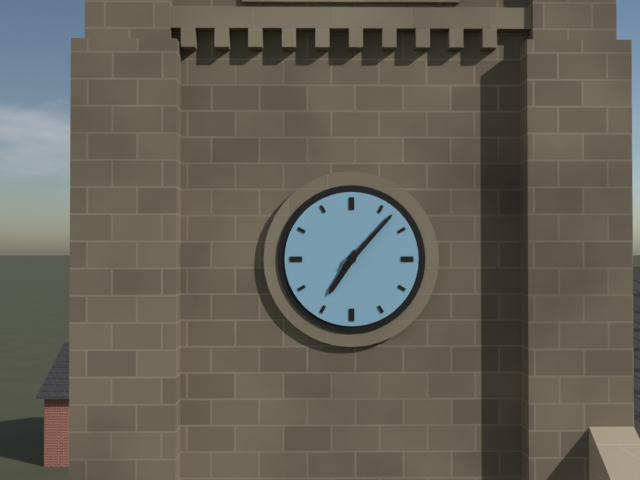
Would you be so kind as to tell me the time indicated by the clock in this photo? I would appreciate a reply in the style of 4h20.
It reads 7h07
